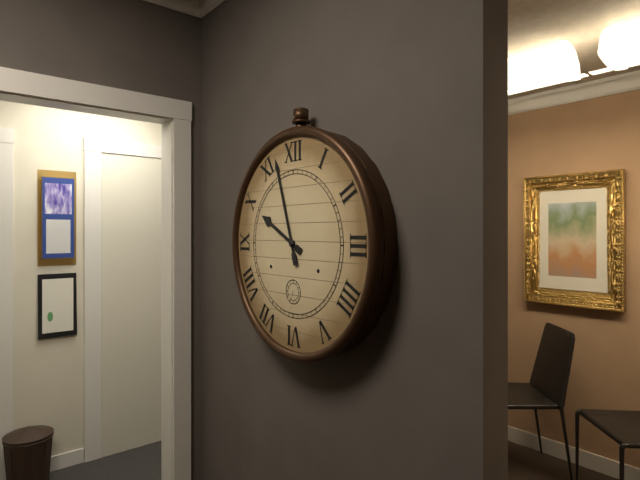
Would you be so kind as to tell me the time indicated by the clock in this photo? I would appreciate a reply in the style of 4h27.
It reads 9h57
